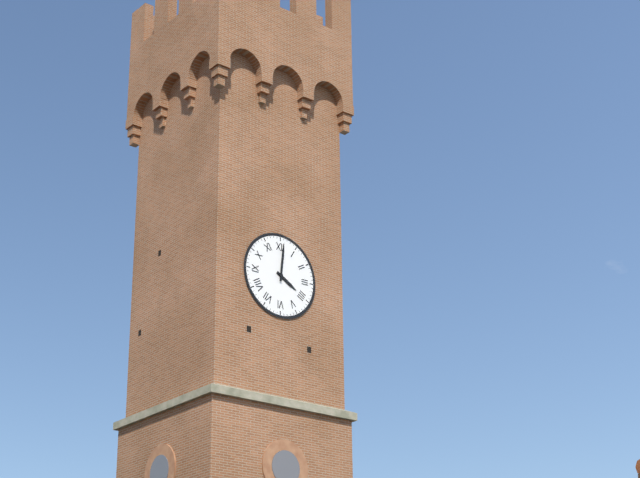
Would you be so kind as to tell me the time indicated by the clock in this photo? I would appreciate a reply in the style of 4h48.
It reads 4h01
